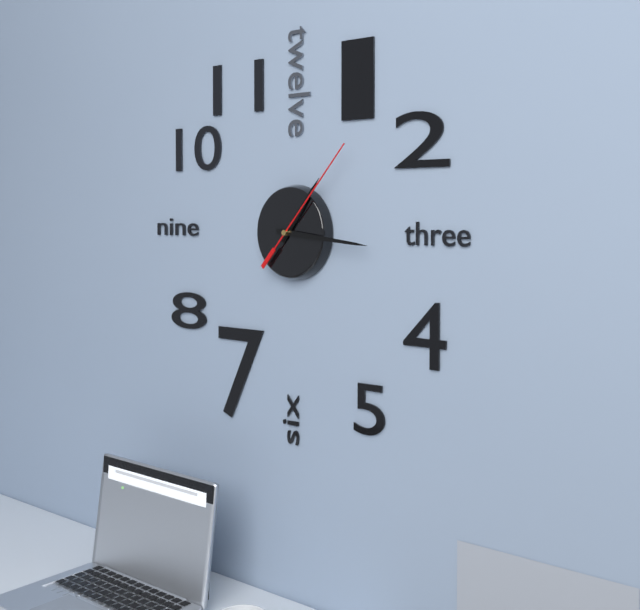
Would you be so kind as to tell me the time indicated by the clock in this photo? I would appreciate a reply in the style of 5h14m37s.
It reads 1h16m07s
